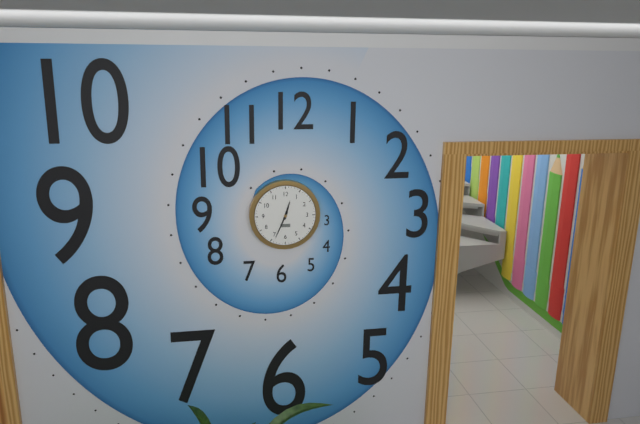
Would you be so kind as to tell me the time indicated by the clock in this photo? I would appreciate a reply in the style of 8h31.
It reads 12h34
